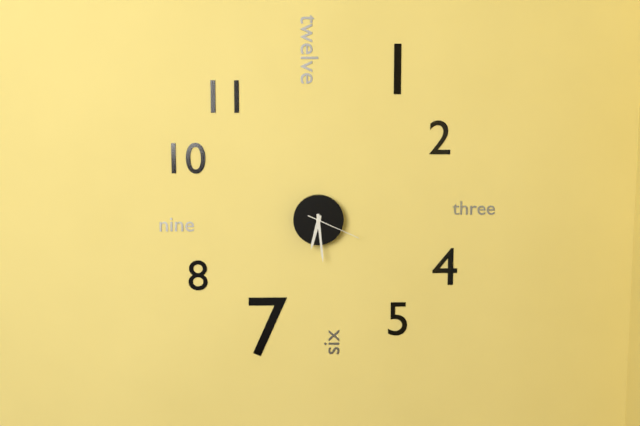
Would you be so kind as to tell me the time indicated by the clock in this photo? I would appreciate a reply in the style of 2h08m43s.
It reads 6h29m19s
